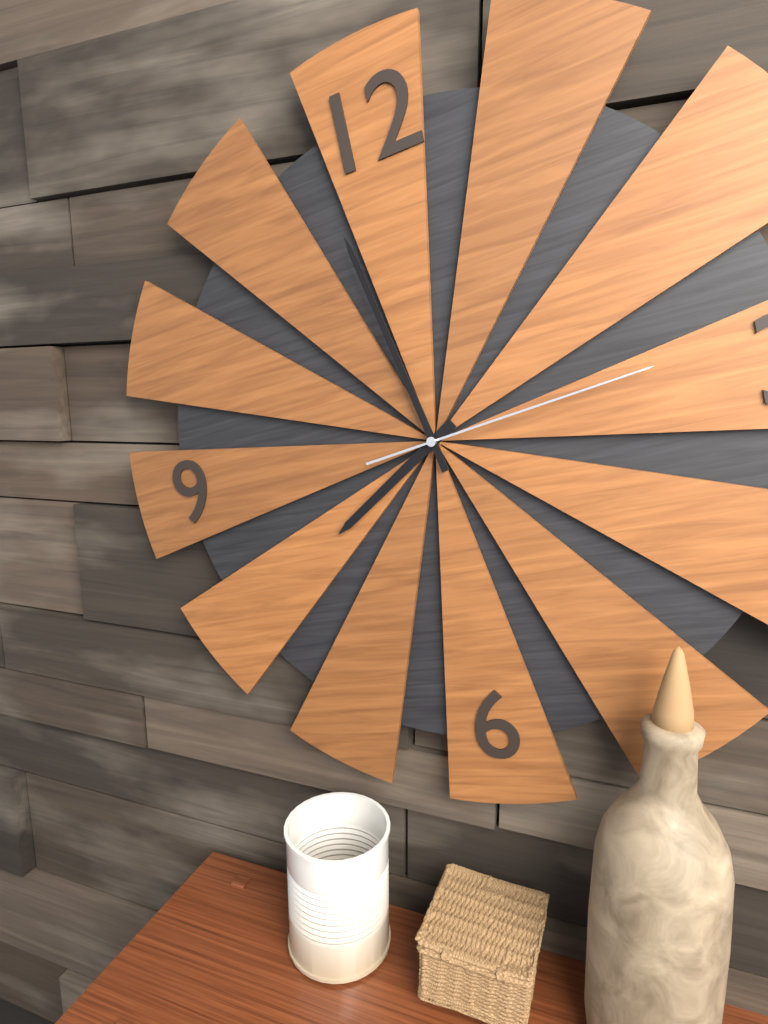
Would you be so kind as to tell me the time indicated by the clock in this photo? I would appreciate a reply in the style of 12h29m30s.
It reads 7h58m14s
